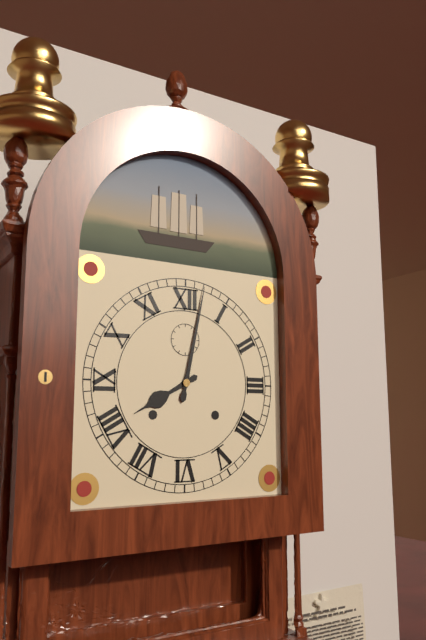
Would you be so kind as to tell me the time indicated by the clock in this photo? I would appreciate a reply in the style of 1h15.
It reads 8h02
